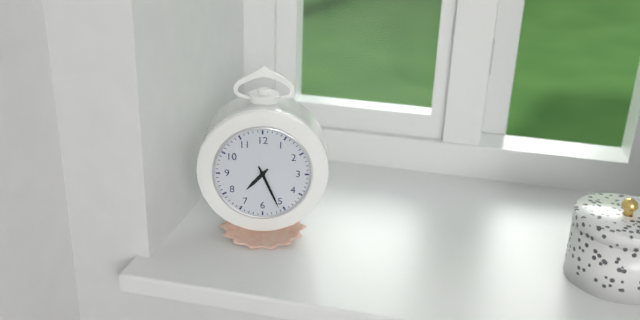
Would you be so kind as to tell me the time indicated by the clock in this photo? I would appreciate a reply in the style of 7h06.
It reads 7h26
